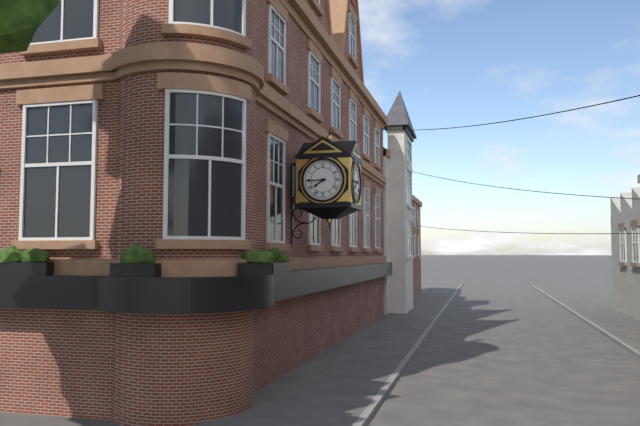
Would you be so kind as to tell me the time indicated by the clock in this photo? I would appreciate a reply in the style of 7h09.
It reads 7h45
